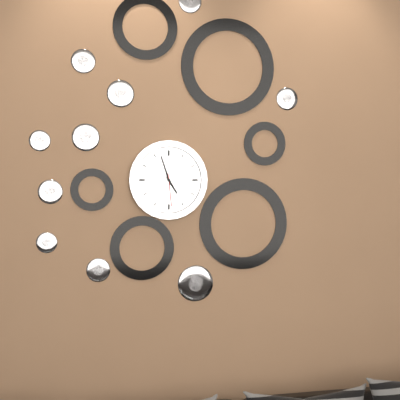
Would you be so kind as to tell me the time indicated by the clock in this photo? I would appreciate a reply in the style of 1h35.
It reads 4h57
